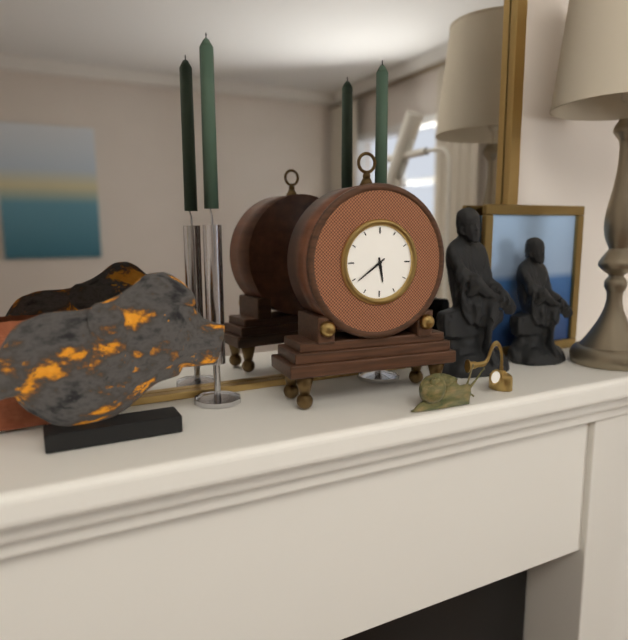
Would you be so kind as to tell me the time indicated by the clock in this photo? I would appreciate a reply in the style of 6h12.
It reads 5h39
